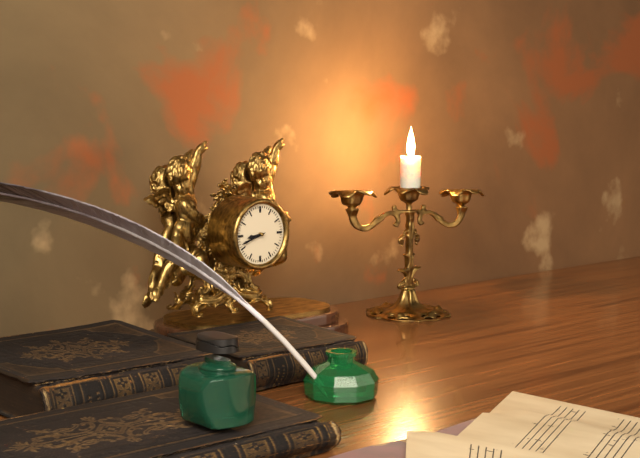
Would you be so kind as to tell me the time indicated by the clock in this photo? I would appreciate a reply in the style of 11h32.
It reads 8h42
